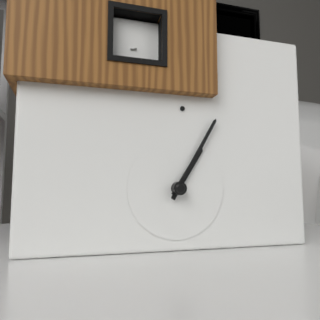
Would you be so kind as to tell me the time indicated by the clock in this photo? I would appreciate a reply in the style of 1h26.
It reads 1h05
